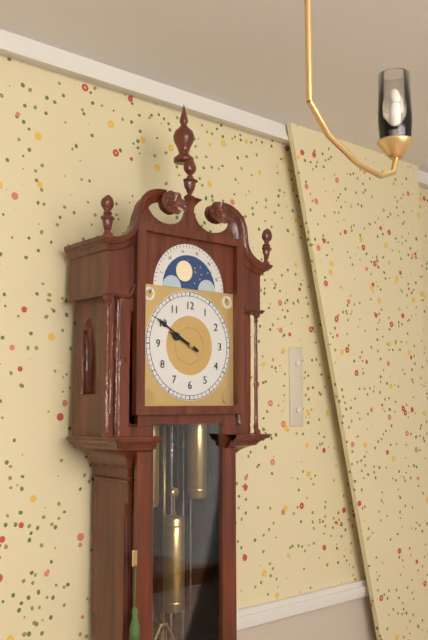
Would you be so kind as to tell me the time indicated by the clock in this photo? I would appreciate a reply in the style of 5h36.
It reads 9h50
